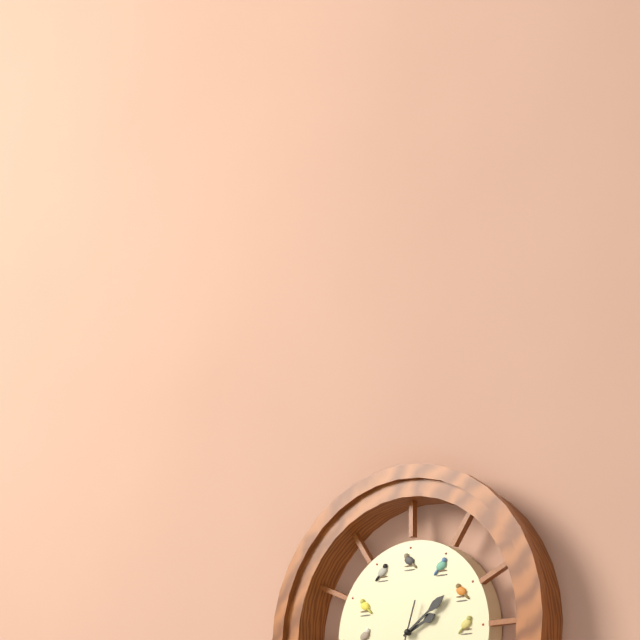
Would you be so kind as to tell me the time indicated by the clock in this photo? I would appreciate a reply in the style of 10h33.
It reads 2h09
